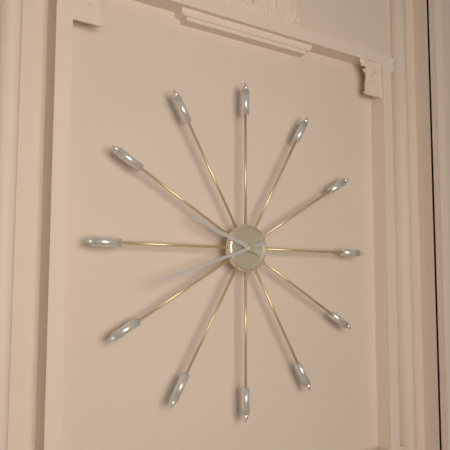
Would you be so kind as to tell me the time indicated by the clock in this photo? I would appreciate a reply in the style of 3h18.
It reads 9h42
